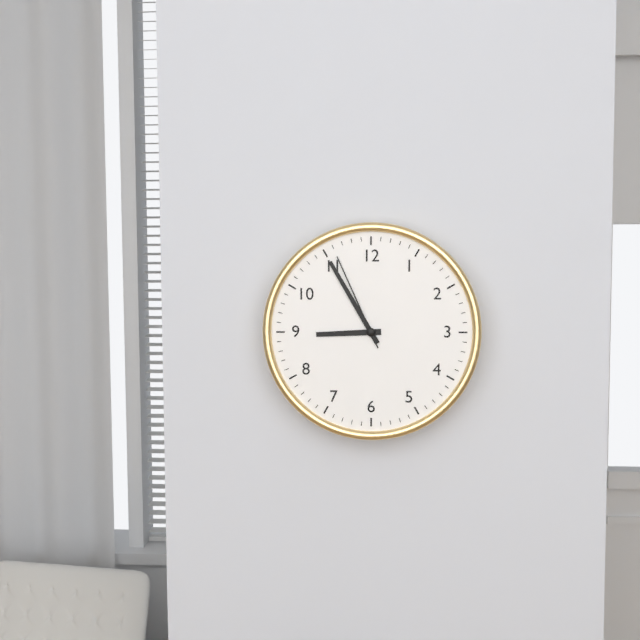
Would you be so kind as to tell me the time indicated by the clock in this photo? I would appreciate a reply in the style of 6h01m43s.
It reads 8h55m56s
